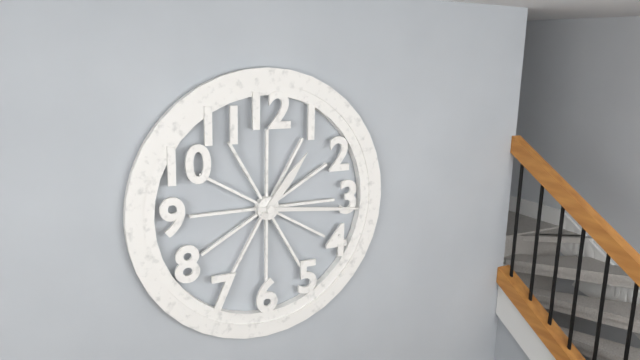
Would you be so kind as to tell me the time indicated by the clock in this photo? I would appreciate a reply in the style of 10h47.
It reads 1h16
